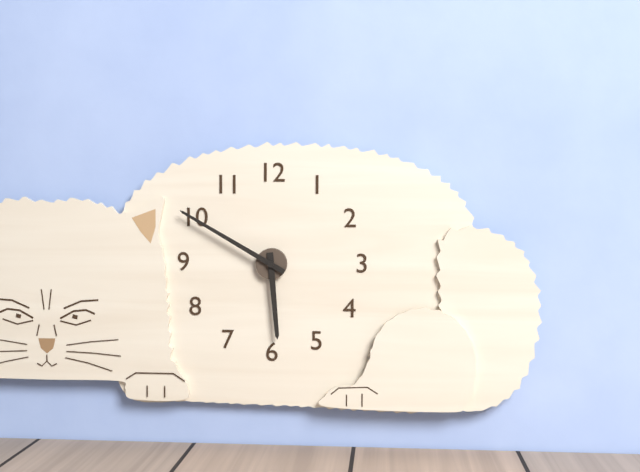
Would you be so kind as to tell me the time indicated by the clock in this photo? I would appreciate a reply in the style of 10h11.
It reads 5h50
